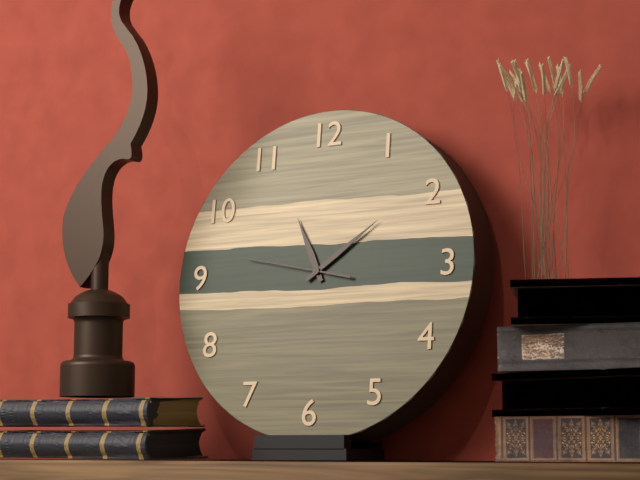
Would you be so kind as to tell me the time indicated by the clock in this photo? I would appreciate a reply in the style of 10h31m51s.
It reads 11h09m47s
